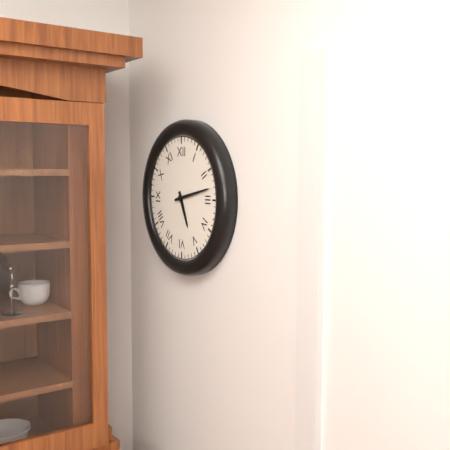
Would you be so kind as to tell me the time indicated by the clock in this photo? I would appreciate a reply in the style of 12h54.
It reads 5h13
